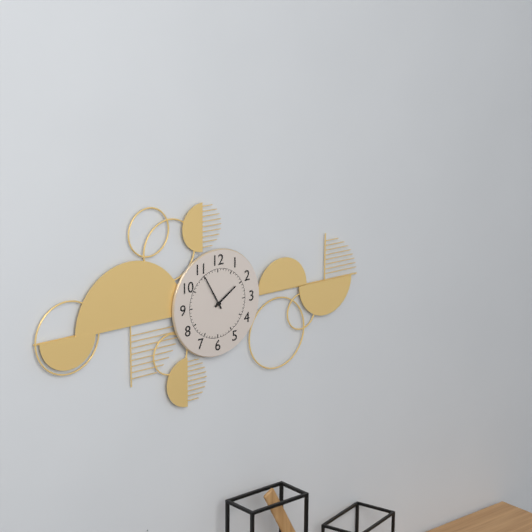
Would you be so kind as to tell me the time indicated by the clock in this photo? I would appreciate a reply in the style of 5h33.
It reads 1h55
